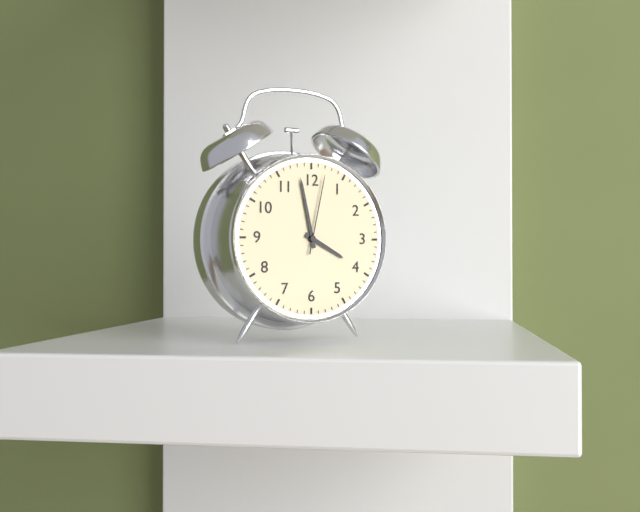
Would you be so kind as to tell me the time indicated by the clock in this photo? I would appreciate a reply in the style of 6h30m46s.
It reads 3h58m02s
